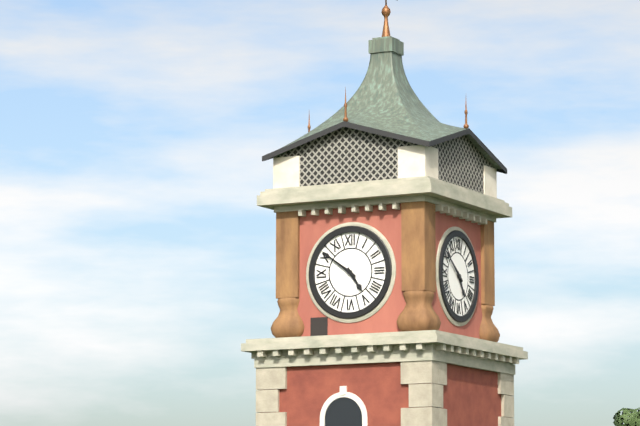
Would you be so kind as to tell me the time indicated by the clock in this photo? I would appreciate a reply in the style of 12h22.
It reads 4h51
